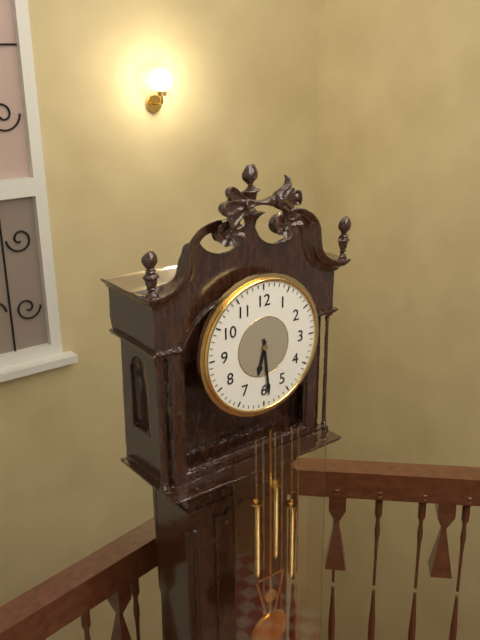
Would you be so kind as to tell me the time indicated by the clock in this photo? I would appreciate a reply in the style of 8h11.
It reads 6h29
